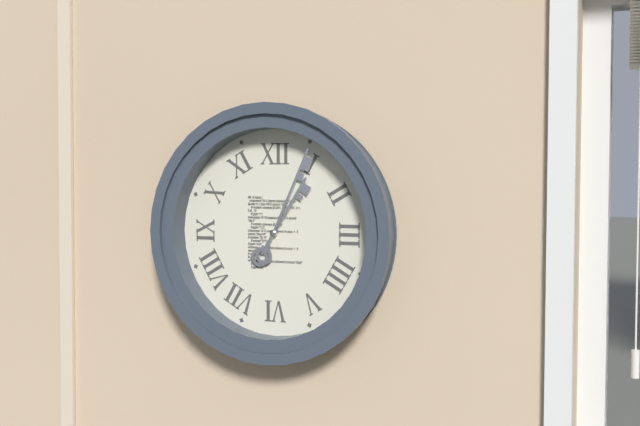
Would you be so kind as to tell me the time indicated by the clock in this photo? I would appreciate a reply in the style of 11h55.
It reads 1h04
